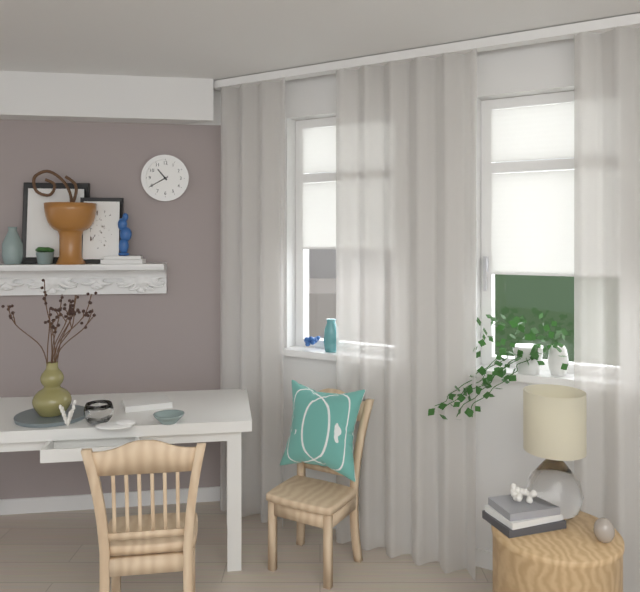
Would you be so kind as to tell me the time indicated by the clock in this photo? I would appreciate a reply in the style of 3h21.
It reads 10h40
